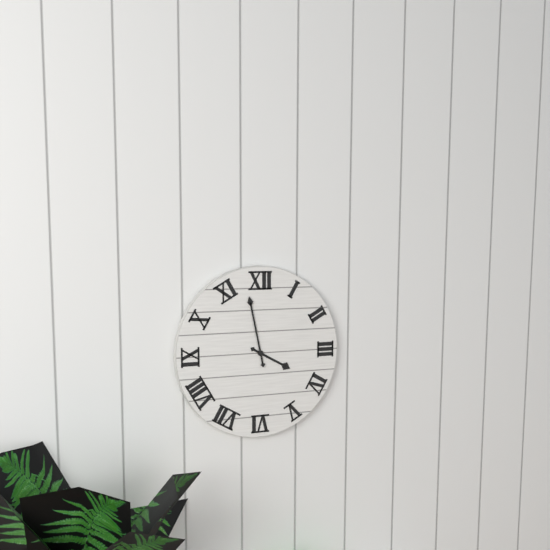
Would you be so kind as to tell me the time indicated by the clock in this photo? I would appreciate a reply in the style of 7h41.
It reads 3h58
